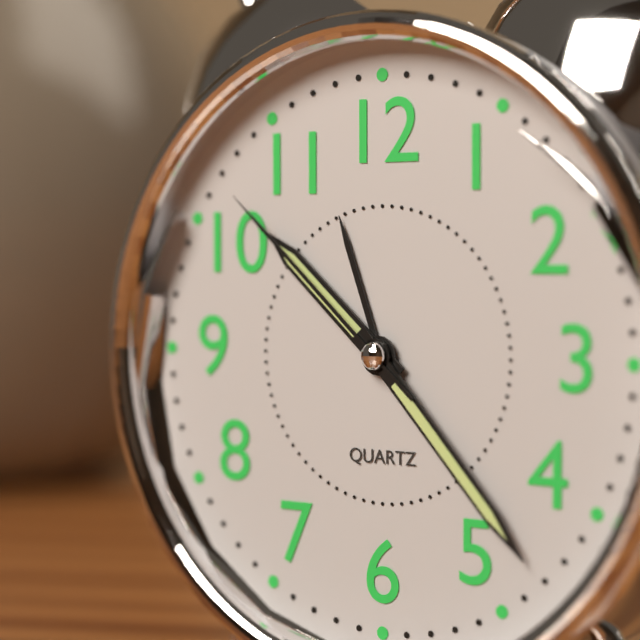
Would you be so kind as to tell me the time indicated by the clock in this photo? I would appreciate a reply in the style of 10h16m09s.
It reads 10h23m52s
